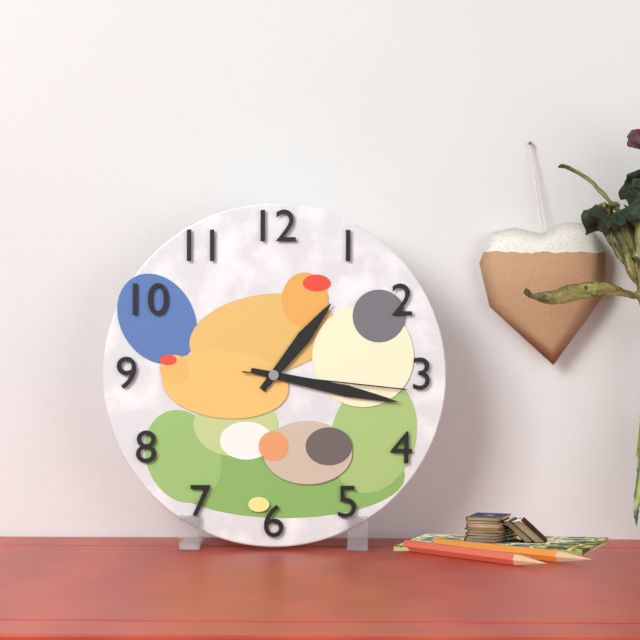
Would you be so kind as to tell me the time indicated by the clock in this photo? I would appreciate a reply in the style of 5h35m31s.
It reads 1h17m16s
